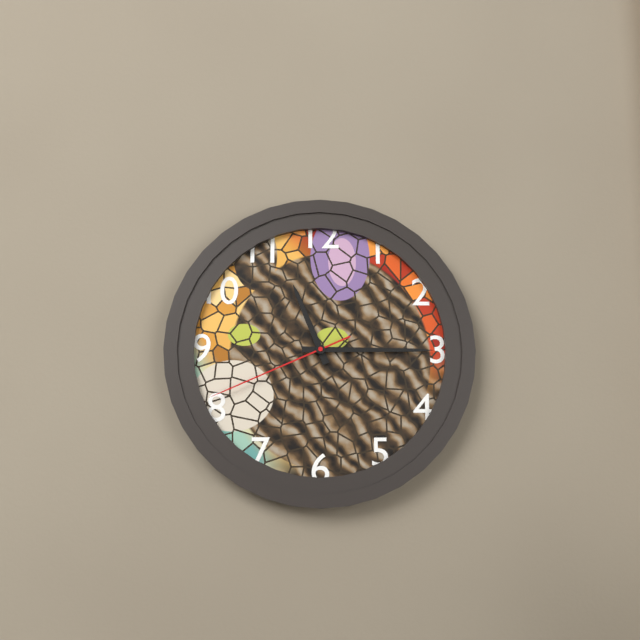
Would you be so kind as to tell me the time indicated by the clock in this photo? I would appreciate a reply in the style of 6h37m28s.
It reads 11h15m41s
